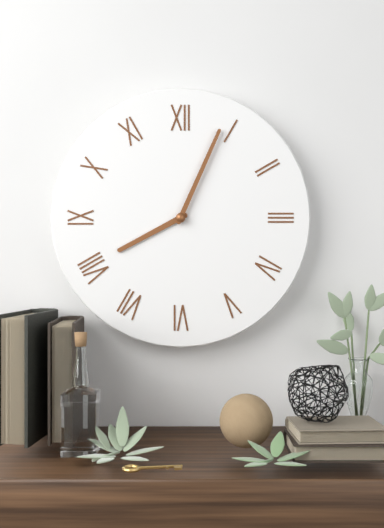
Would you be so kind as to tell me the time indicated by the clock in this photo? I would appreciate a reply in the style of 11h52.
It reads 8h04
